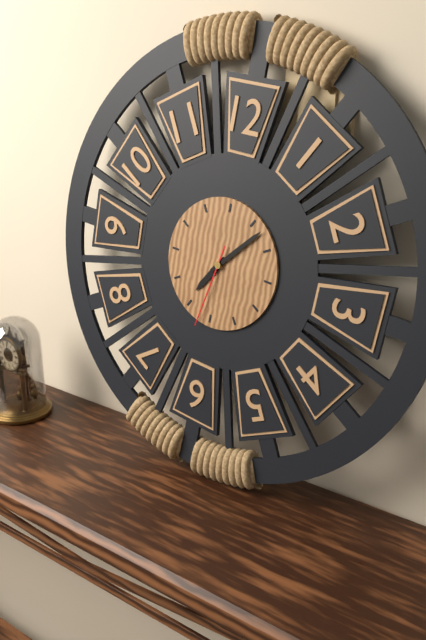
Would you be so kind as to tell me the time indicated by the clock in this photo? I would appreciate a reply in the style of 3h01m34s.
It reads 7h07m32s
